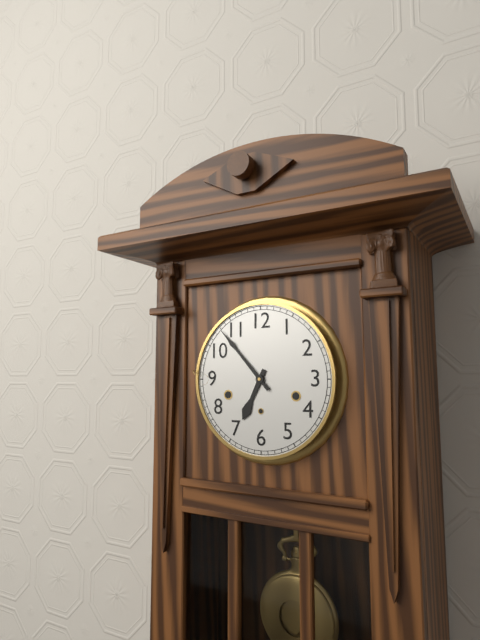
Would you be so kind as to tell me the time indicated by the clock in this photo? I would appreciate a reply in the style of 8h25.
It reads 6h53
